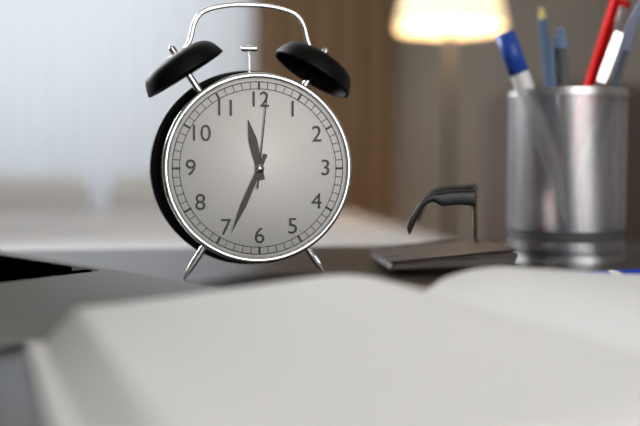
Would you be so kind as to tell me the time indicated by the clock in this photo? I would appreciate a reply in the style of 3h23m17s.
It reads 11h34m01s
